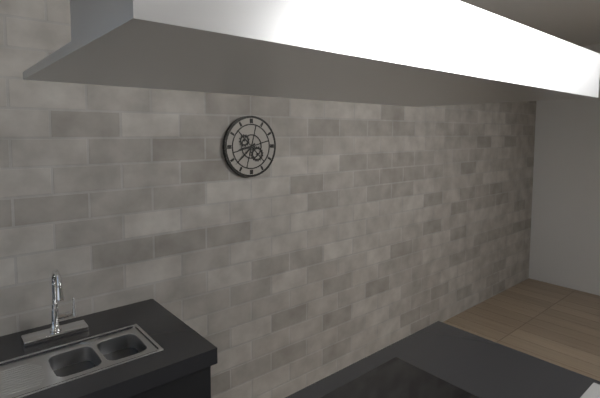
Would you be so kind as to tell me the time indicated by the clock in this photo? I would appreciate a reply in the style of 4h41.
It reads 8h38
